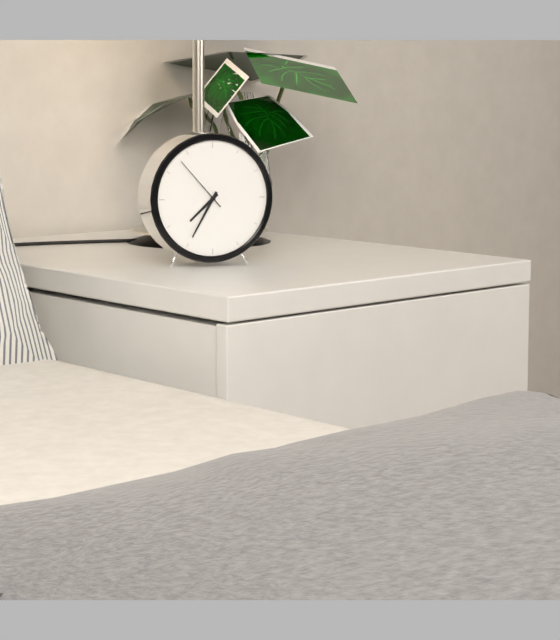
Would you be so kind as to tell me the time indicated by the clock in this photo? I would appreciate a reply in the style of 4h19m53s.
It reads 7h35m53s
